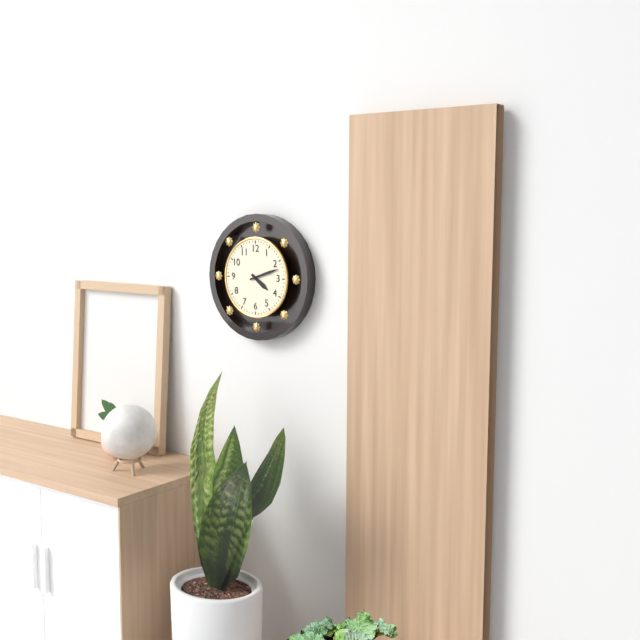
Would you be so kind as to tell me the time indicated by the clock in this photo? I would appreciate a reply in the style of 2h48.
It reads 4h12
